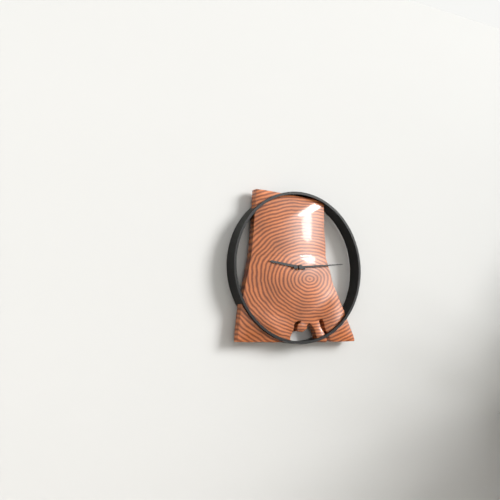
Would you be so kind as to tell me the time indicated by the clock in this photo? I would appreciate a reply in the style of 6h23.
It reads 9h14
